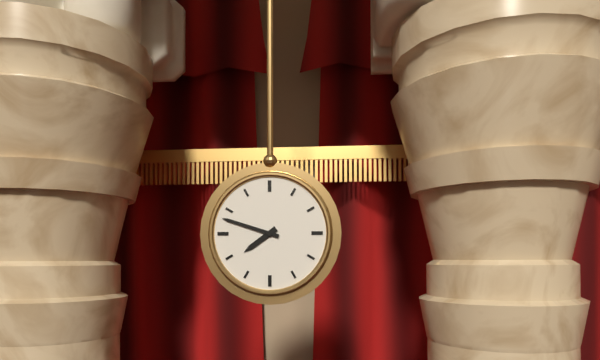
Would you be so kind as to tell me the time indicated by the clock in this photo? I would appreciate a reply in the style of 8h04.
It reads 7h48
